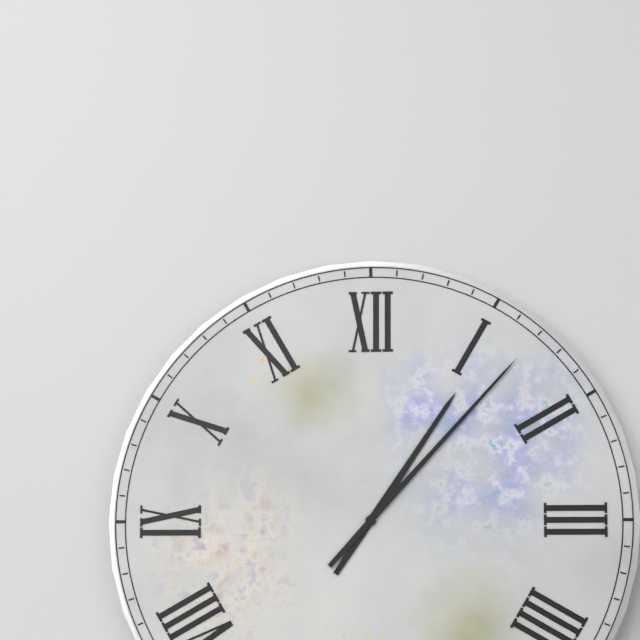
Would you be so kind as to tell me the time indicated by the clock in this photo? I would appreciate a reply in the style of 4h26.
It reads 1h07
